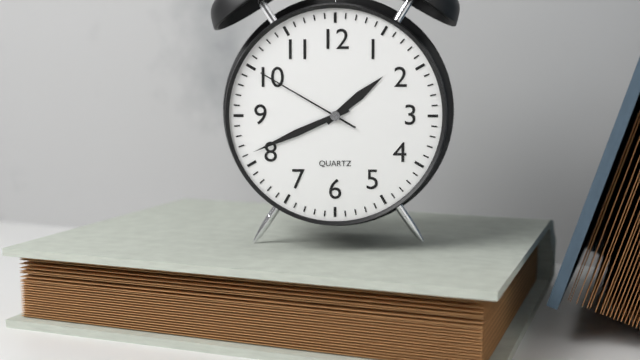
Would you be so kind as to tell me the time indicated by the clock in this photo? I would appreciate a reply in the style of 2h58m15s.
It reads 1h41m50s
